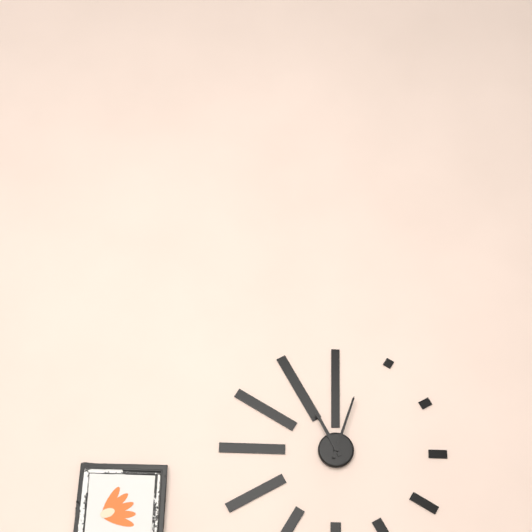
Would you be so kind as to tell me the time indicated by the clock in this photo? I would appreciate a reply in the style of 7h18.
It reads 11h03
